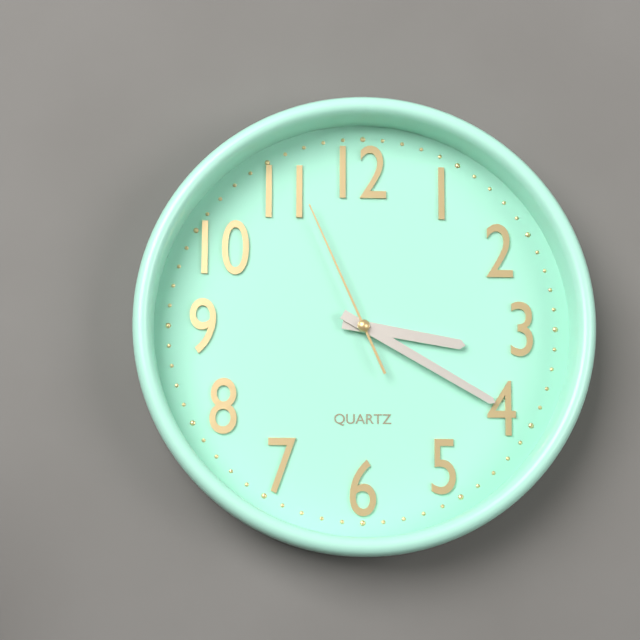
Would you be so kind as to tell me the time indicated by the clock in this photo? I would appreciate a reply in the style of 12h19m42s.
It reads 3h20m56s
